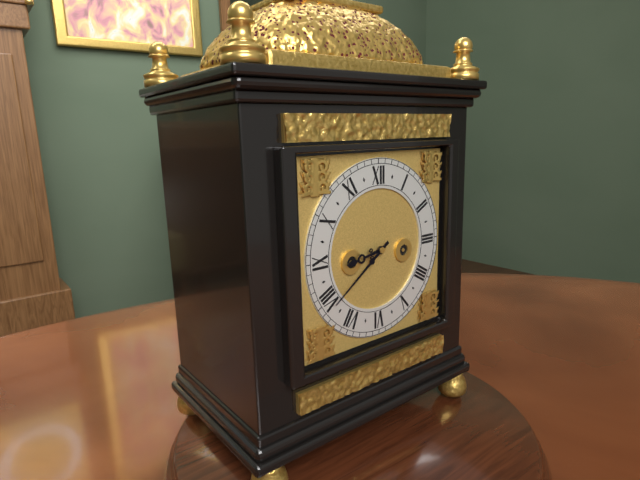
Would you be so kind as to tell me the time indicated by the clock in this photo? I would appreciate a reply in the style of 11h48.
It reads 8h39
